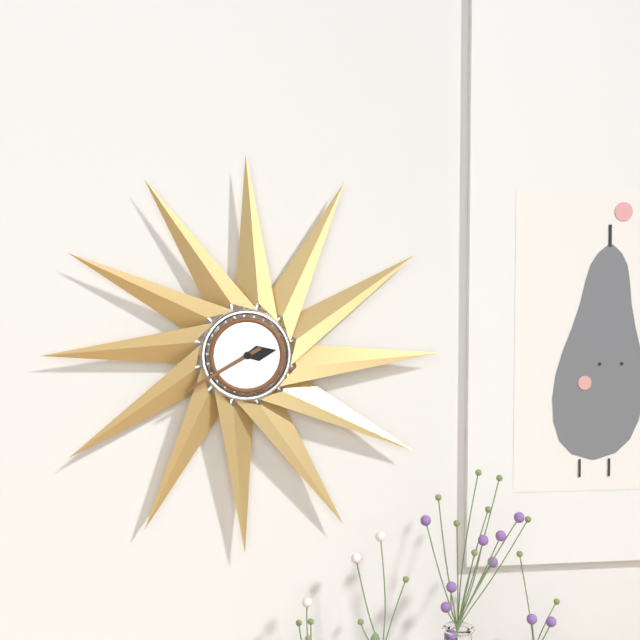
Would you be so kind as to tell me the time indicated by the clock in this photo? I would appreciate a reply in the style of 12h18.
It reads 2h40
